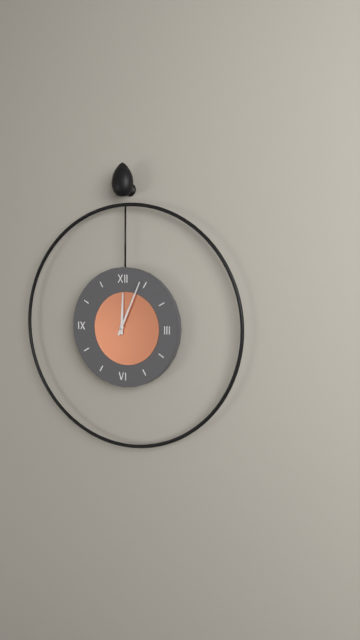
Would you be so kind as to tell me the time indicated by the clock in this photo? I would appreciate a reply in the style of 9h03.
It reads 12h04
